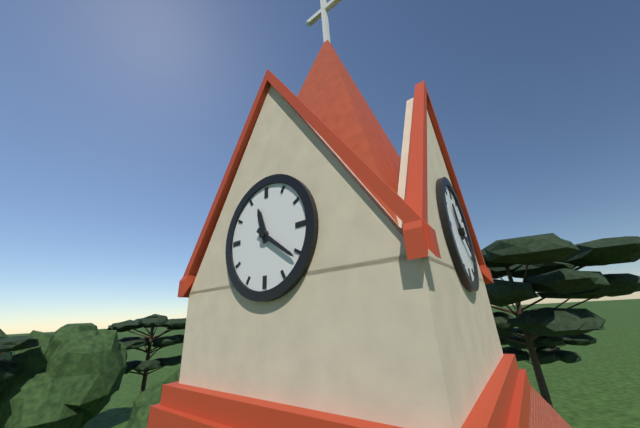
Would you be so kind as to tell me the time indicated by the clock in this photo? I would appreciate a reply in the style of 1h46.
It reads 11h21
